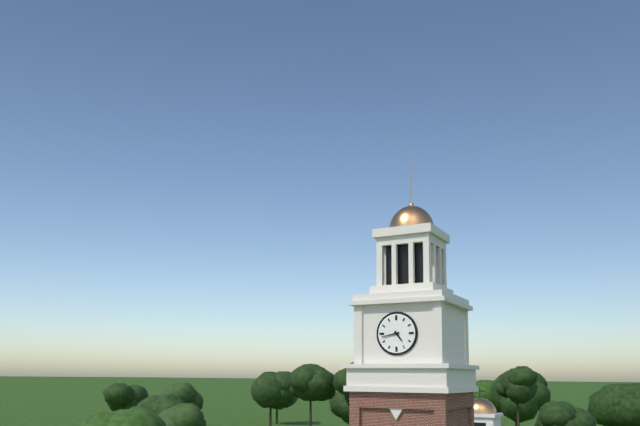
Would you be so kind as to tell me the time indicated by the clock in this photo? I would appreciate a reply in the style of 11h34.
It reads 4h43
